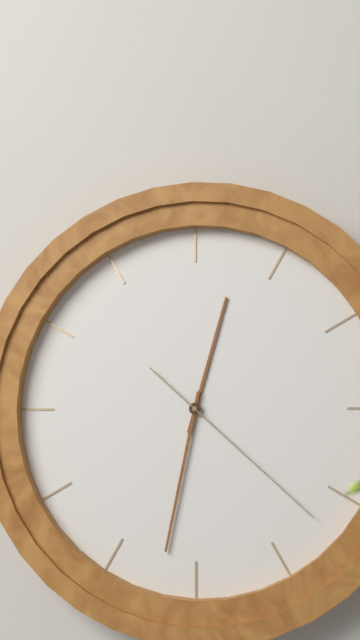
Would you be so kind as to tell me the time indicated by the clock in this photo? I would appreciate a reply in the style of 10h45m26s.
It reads 12h32m22s
